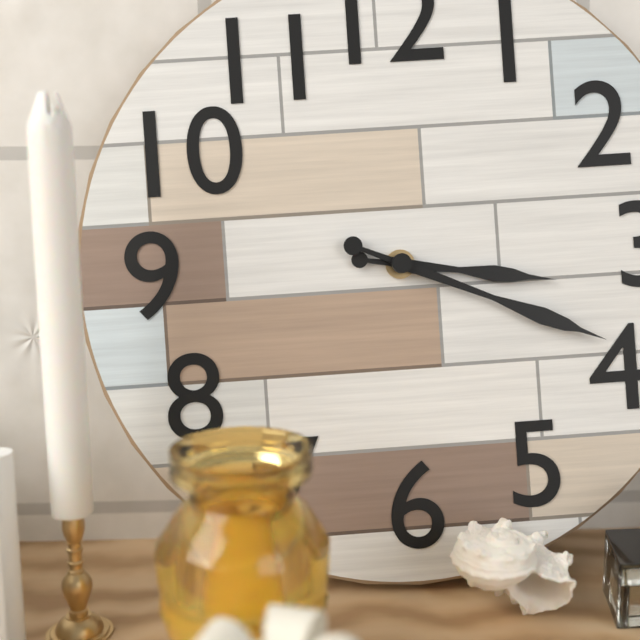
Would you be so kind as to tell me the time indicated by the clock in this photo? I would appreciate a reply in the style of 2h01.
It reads 3h19
